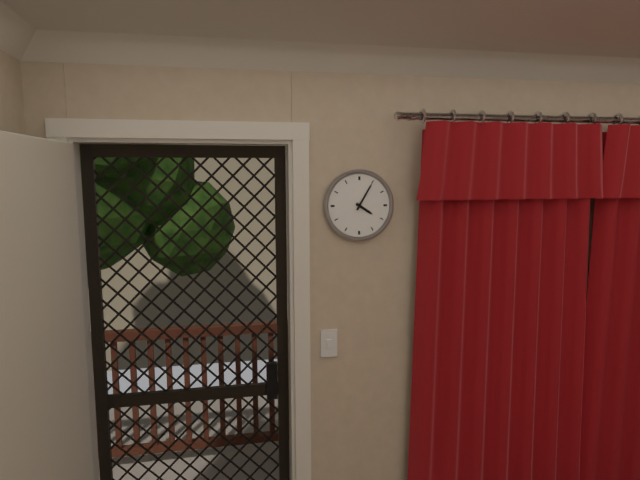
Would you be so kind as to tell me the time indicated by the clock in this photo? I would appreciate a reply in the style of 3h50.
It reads 4h05
